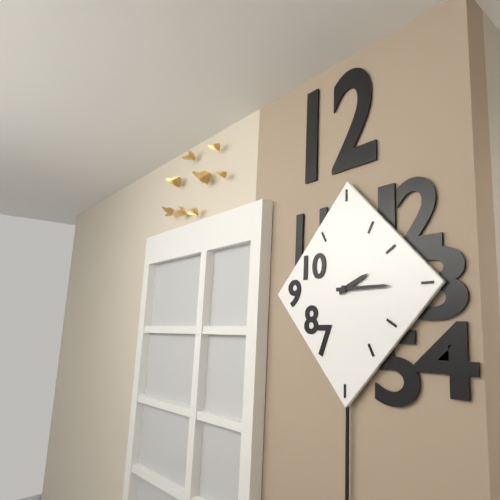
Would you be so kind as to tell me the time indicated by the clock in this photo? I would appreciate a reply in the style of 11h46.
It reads 2h15
